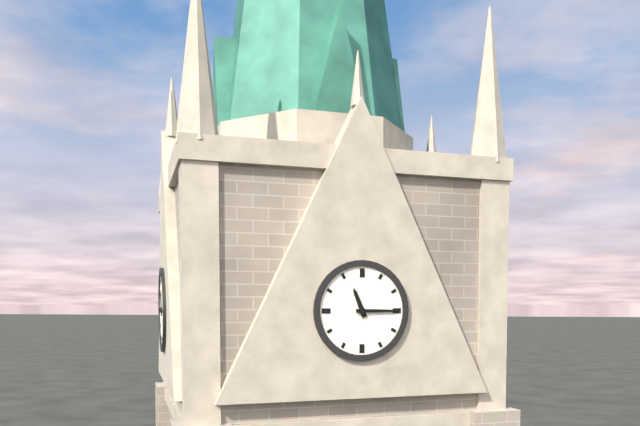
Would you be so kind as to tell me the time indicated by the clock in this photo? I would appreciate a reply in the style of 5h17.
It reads 11h15
